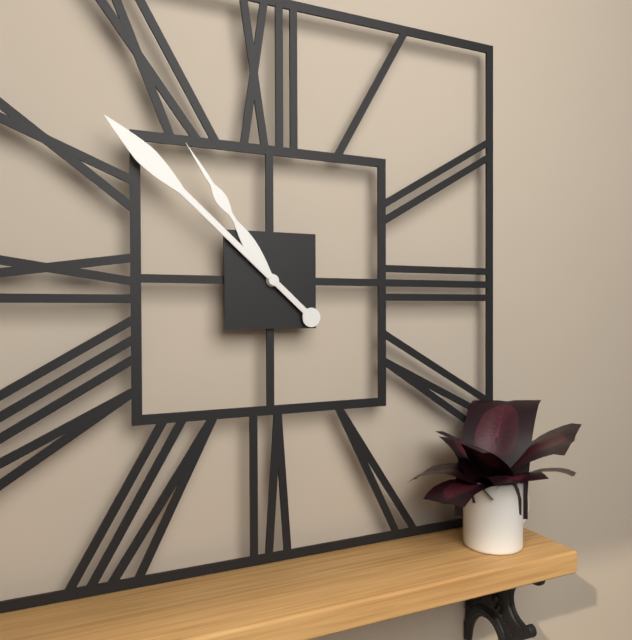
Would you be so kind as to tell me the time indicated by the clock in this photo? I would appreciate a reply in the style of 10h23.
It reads 10h52
